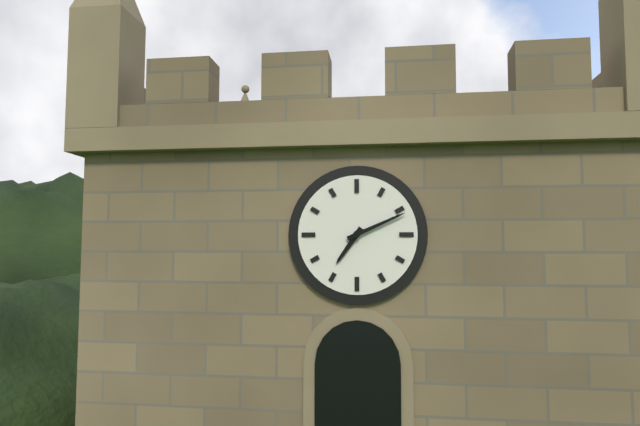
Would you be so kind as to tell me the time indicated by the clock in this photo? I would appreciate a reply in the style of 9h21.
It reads 7h11
